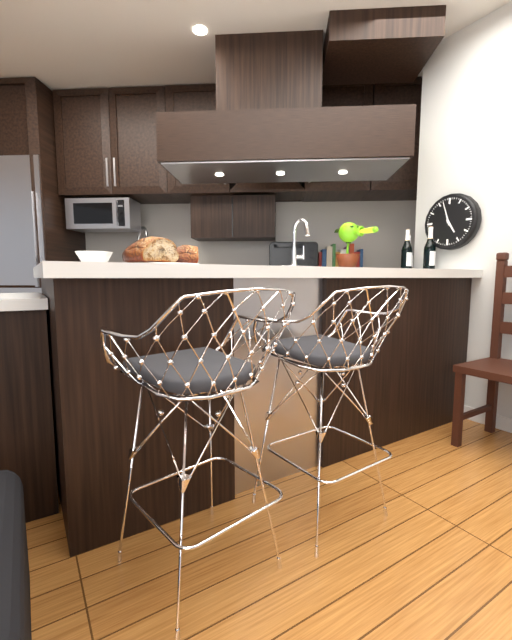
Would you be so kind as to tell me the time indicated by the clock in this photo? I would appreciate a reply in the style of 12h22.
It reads 4h57
